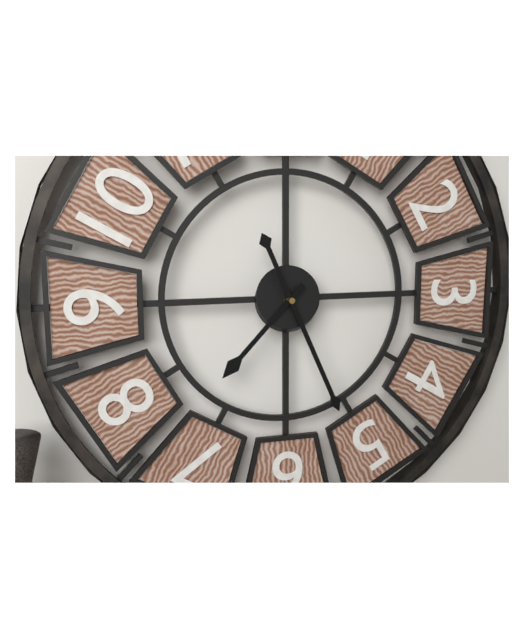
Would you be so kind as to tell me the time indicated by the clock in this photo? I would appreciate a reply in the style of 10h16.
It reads 7h26
